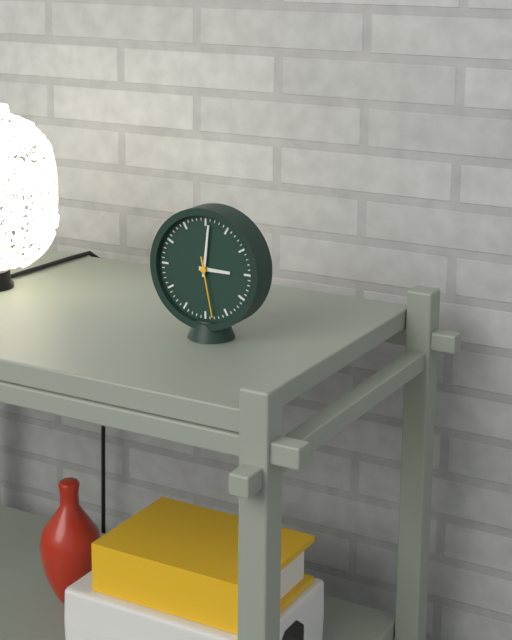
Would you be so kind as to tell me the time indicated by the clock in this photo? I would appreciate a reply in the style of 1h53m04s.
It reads 3h01m28s
